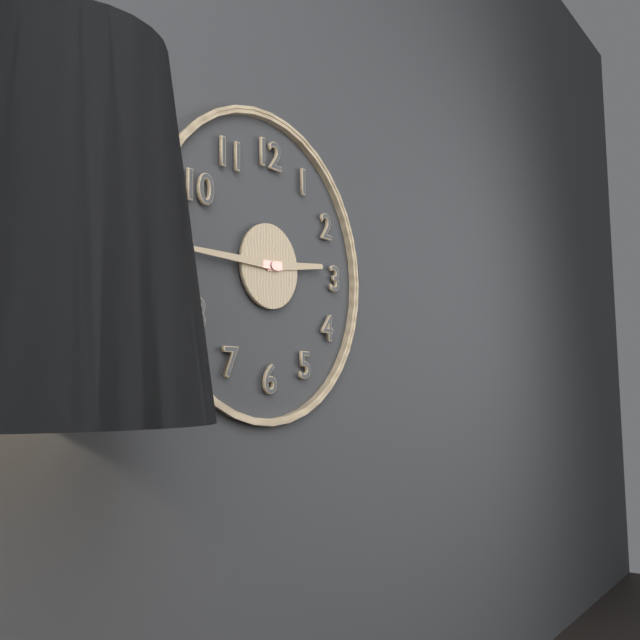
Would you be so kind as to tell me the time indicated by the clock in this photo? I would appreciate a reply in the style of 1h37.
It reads 2h45
